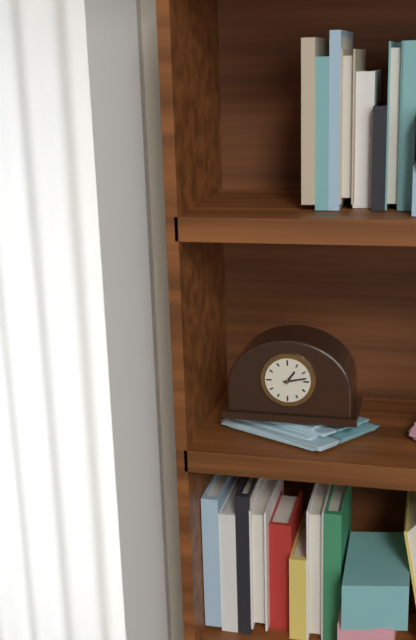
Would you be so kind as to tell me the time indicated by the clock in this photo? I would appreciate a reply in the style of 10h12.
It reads 1h13
